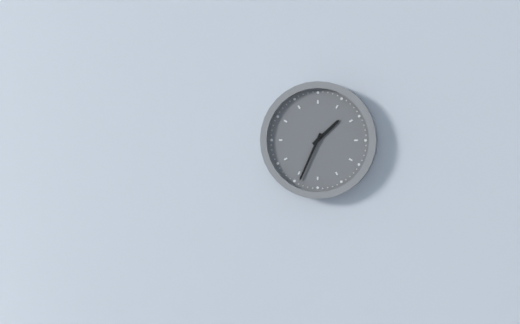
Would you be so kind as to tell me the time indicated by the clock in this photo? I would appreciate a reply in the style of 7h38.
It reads 1h34
